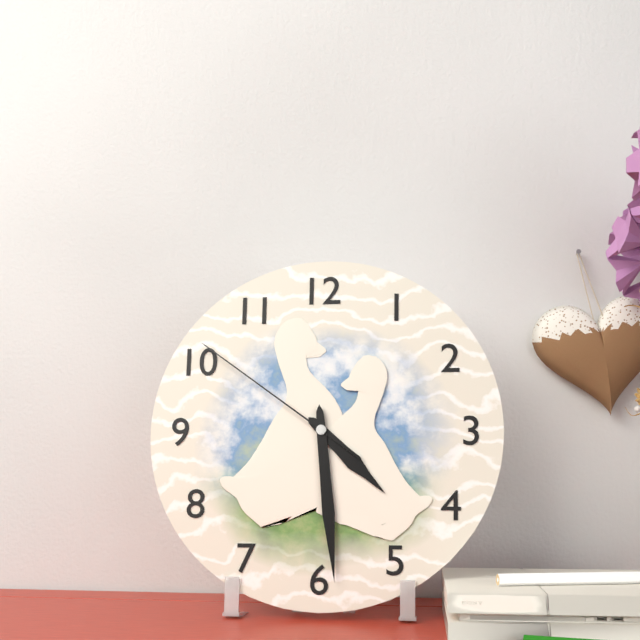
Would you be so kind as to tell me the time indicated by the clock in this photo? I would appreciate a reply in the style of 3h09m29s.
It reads 4h29m51s
